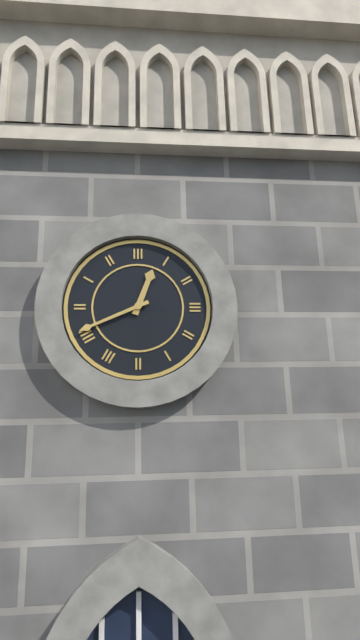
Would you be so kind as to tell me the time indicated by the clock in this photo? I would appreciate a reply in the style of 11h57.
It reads 12h41
